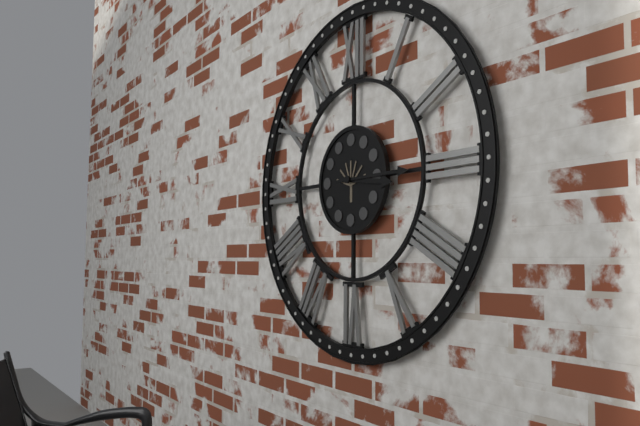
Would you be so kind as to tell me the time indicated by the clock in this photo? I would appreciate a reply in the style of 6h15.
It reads 3h15
